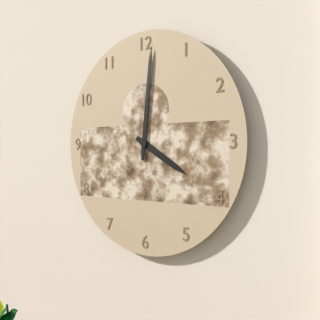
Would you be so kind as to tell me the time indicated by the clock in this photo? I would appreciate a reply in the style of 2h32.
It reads 4h01
